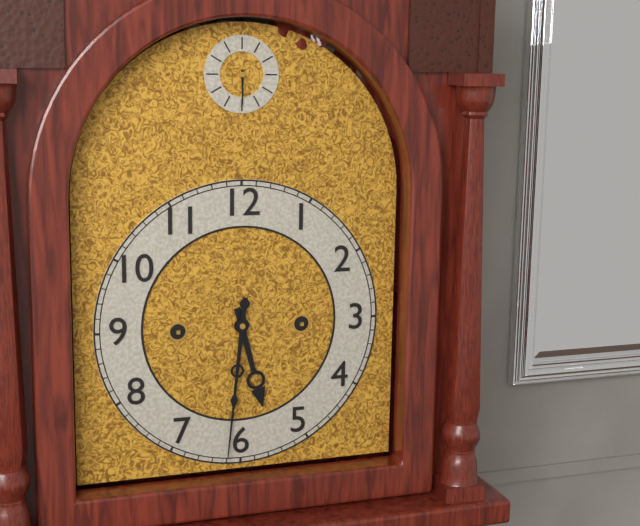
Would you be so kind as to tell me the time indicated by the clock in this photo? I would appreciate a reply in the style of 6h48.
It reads 5h31
